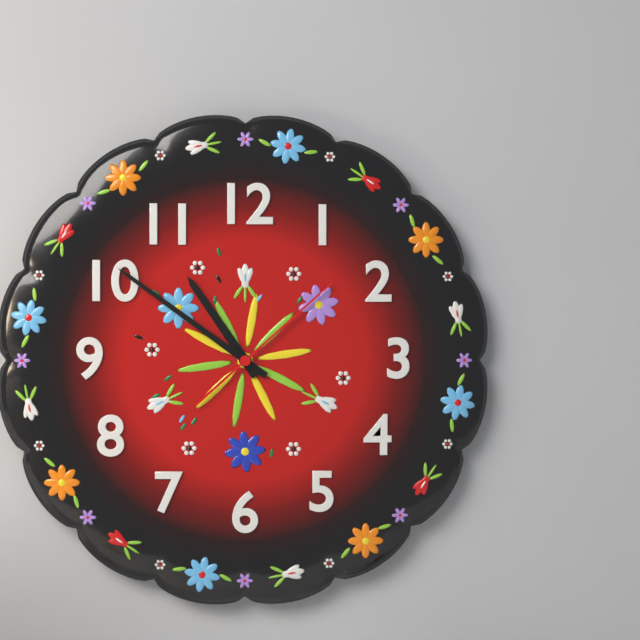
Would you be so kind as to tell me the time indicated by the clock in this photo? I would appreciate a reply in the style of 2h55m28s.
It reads 10h51m08s
